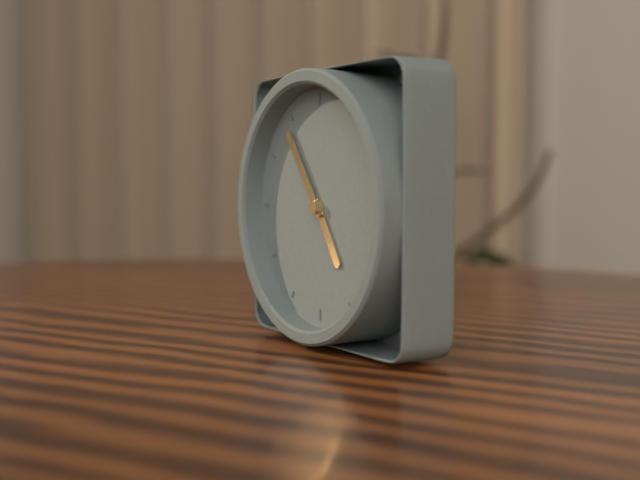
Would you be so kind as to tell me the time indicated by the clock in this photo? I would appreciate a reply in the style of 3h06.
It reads 4h54
